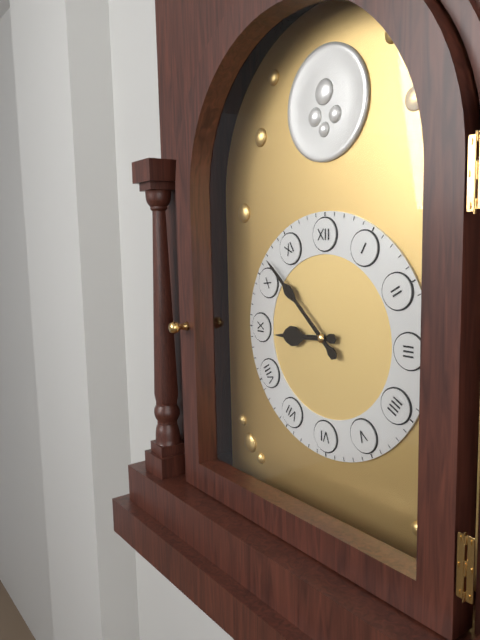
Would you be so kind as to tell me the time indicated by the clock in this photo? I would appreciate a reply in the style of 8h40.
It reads 8h52
